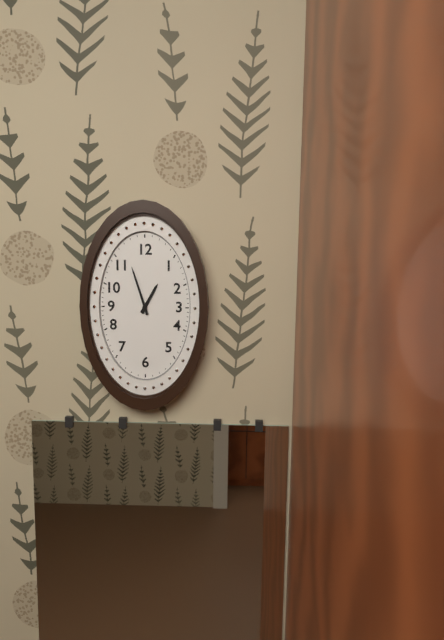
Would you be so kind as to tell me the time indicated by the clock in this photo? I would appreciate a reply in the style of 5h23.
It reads 12h57
